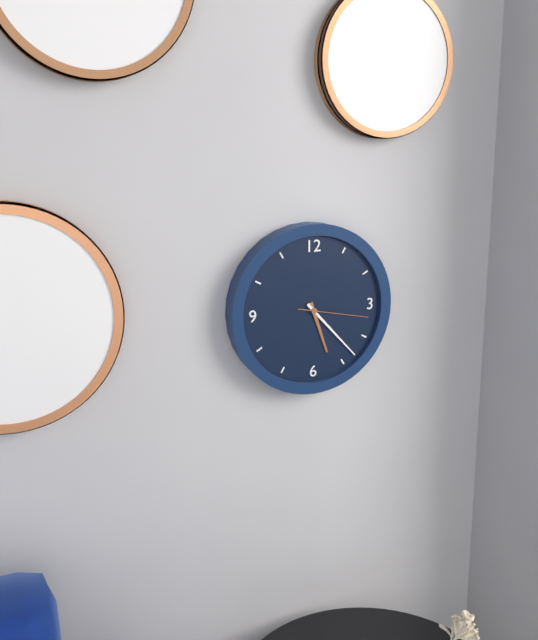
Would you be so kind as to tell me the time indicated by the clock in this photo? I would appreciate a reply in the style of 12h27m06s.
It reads 5h23m17s
